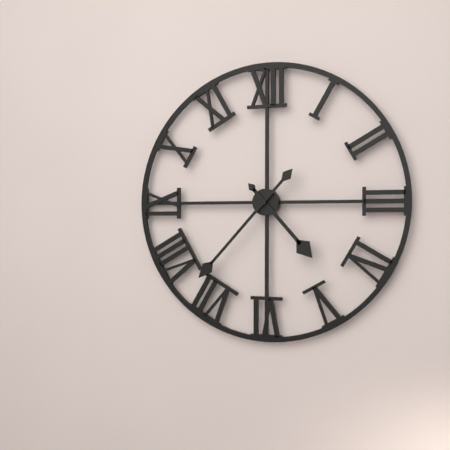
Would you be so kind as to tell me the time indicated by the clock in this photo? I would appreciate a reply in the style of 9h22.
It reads 4h37
